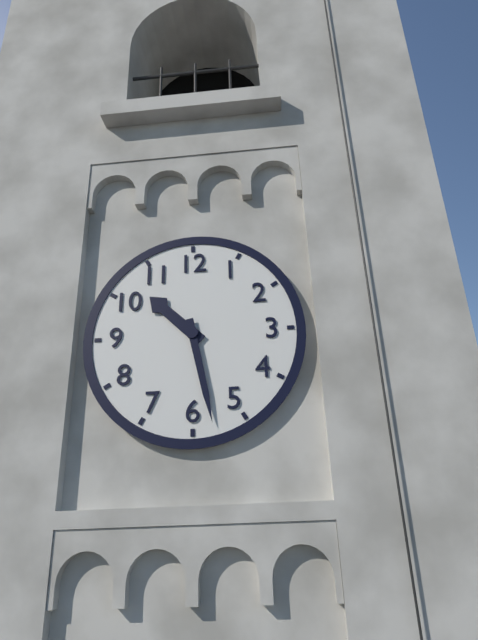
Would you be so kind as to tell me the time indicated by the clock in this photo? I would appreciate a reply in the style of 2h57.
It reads 10h28
